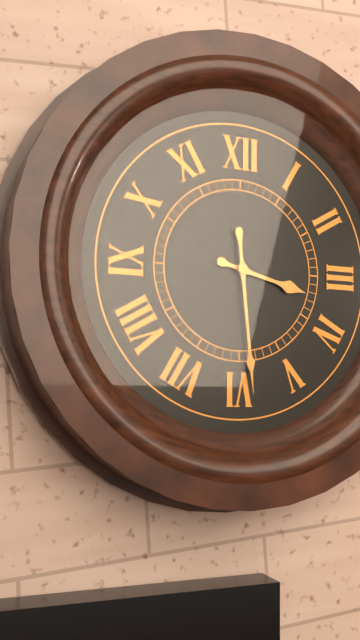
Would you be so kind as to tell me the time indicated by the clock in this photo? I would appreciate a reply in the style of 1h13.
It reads 3h29
